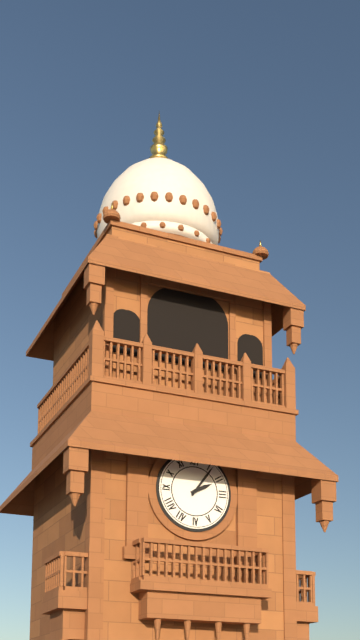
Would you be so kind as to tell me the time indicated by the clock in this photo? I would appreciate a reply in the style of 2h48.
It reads 2h06
